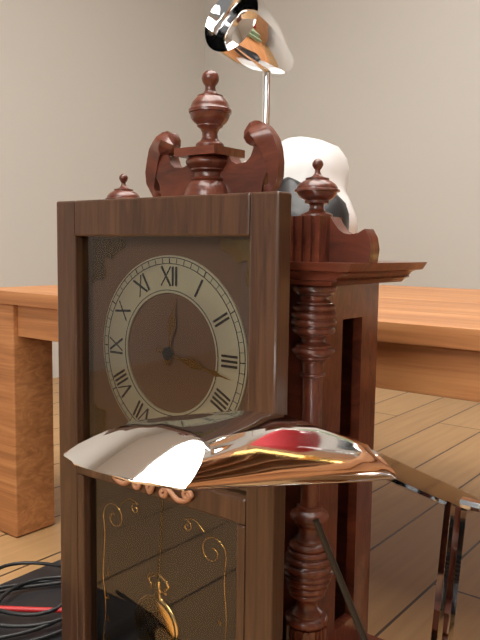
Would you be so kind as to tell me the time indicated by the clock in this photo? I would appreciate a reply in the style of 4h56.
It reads 12h17
